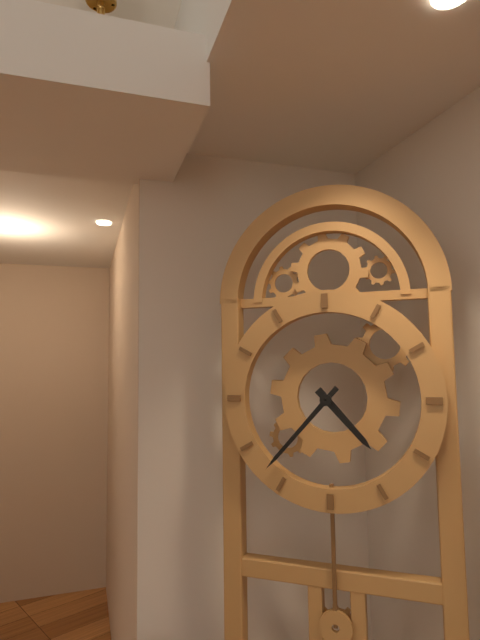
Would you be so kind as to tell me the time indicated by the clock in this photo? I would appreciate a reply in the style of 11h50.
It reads 4h37
